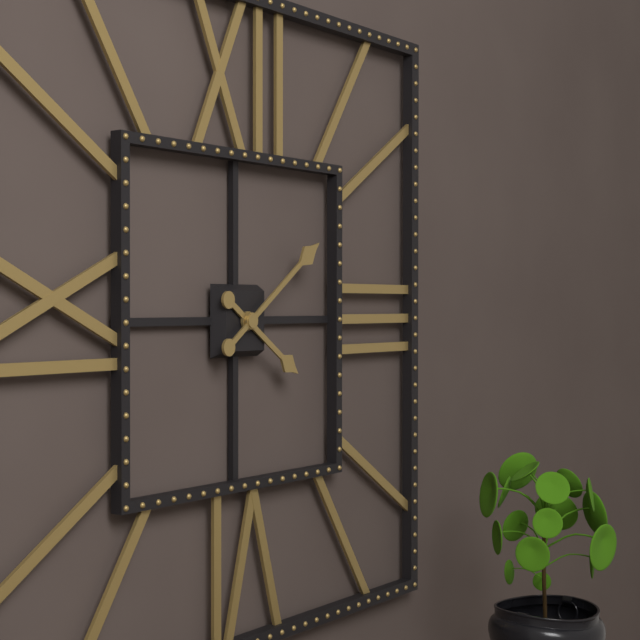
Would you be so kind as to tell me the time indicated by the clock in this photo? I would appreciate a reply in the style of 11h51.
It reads 4h09
